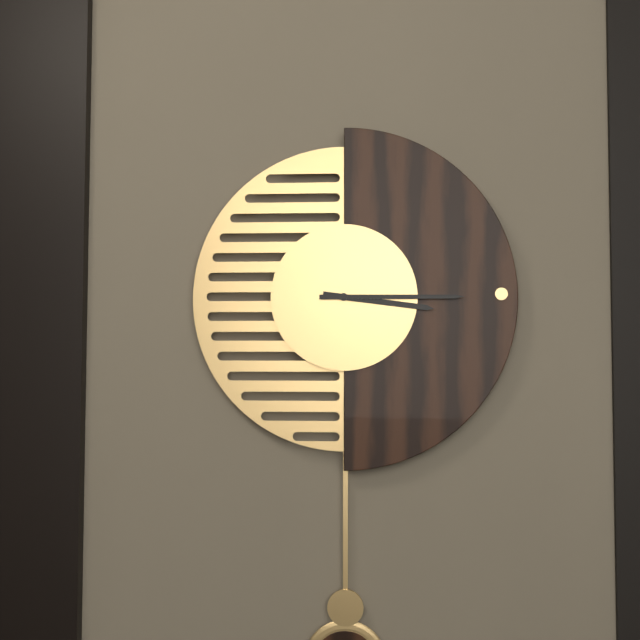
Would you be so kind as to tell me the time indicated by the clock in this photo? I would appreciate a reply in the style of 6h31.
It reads 3h15
